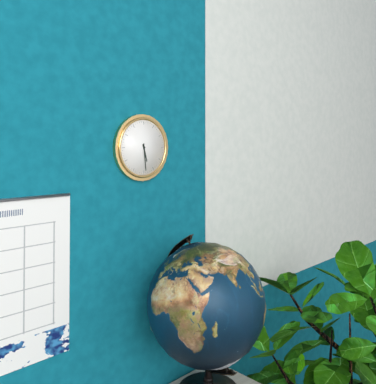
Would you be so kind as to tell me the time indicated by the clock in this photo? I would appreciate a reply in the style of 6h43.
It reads 5h29
